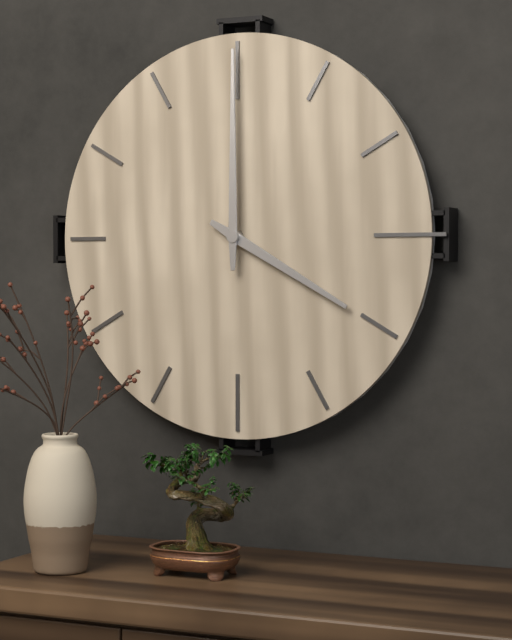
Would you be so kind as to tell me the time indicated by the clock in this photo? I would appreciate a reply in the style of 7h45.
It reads 4h00
